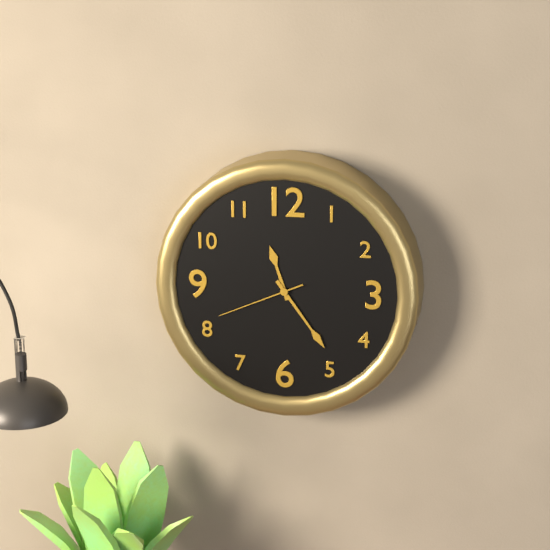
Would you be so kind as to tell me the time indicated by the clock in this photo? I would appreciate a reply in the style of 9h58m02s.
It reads 11h24m41s
